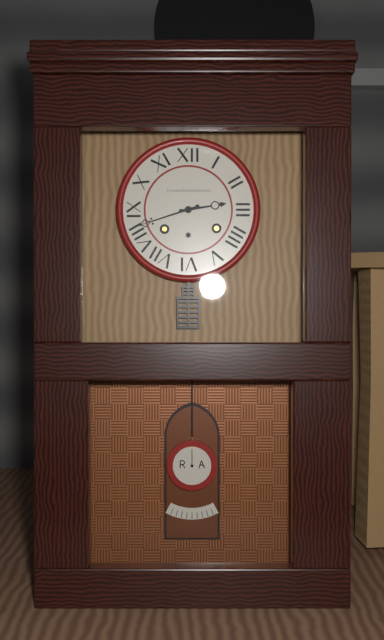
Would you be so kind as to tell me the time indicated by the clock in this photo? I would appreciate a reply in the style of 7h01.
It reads 2h42
